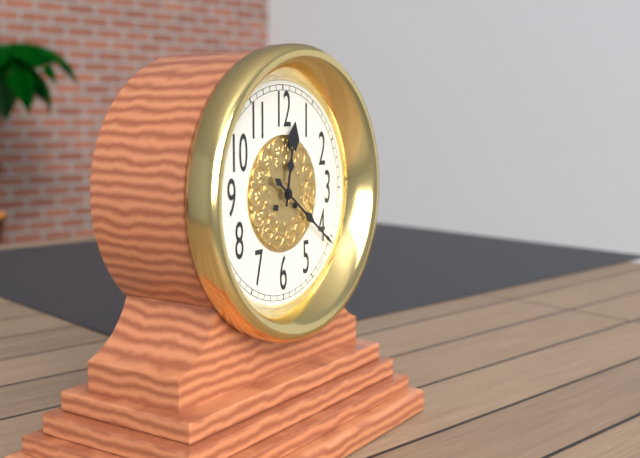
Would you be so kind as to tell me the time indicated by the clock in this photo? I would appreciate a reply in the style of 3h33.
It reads 12h21
